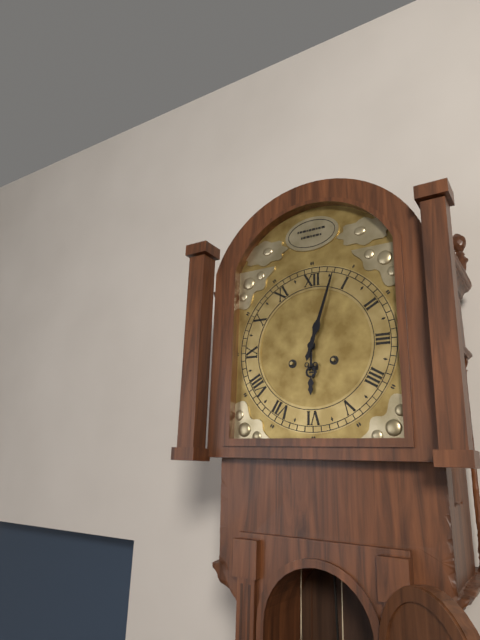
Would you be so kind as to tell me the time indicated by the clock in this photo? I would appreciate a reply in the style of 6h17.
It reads 6h03
